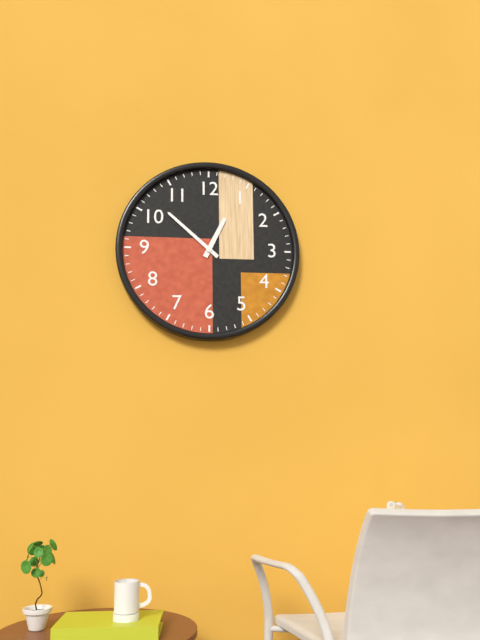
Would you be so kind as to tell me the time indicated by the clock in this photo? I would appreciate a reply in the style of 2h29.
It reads 12h52
